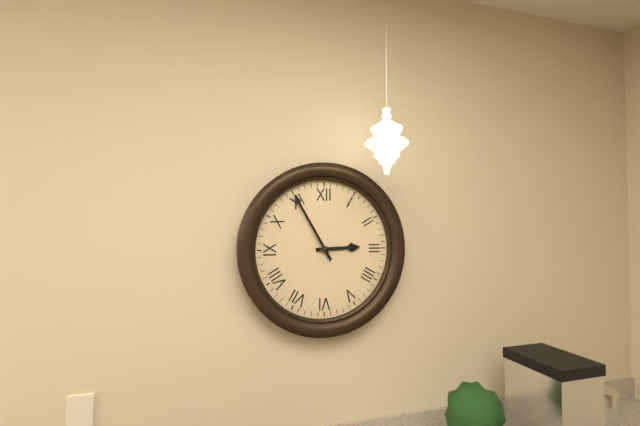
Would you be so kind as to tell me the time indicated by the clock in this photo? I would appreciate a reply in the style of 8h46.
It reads 2h55
